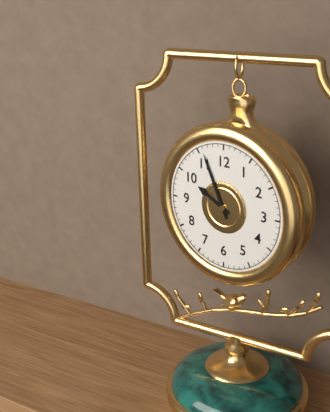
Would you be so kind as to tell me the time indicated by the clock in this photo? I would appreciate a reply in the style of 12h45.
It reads 9h56
